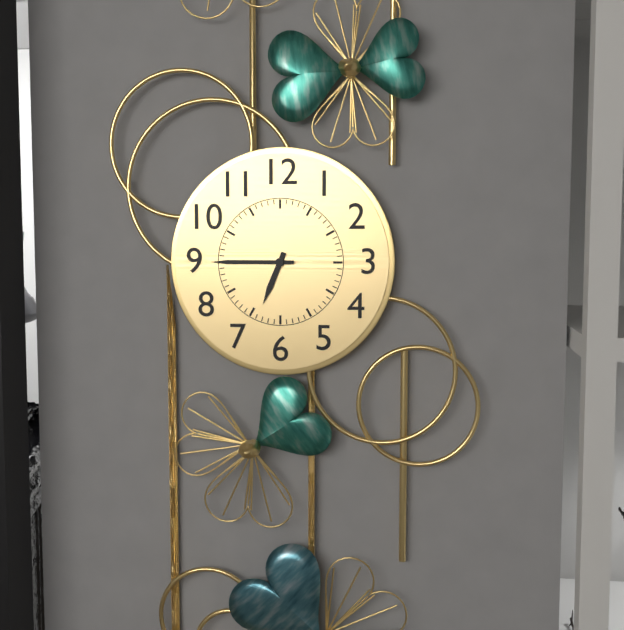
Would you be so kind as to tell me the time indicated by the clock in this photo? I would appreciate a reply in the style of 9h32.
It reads 6h45
